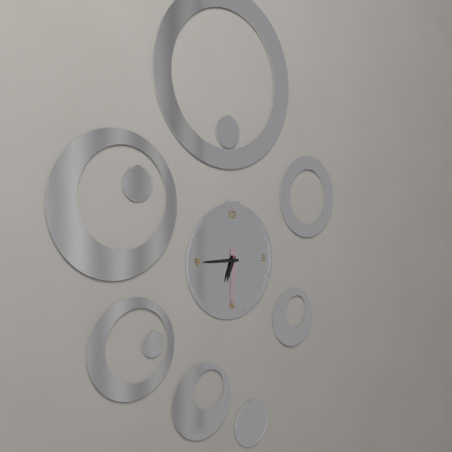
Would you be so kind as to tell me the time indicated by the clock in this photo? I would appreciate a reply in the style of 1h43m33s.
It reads 6h45m30s
